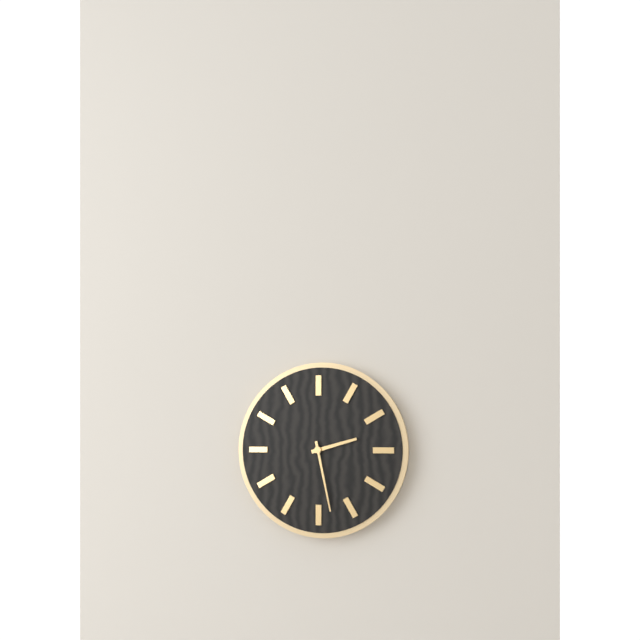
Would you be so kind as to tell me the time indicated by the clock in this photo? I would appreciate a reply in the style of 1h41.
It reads 2h28
